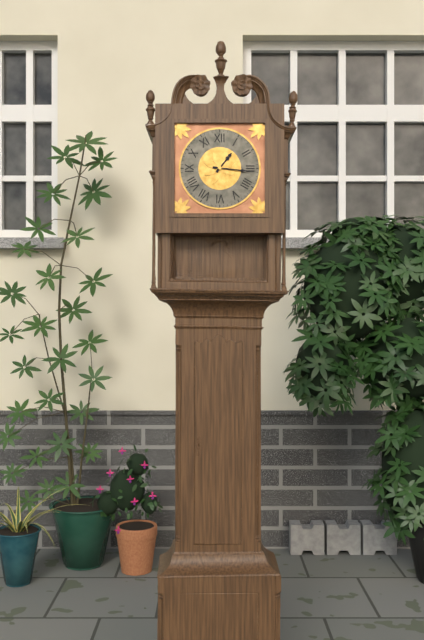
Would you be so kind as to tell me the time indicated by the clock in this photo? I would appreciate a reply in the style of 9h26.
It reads 1h16
